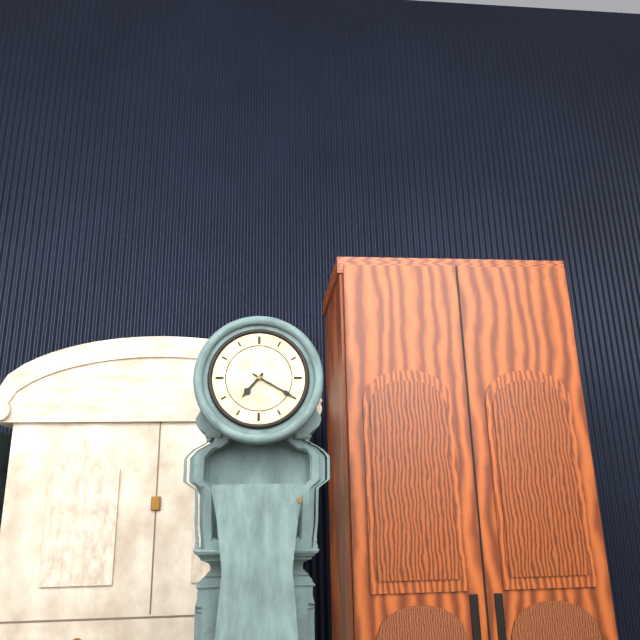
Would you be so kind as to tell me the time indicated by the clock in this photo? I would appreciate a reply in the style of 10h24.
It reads 7h20
